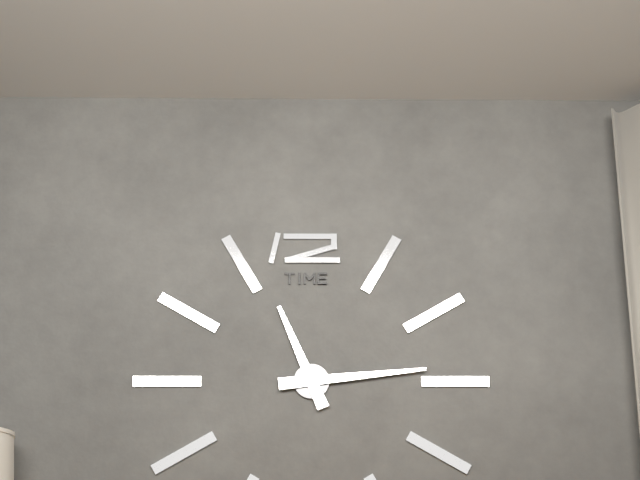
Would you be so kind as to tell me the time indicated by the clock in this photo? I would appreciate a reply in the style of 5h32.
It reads 11h14
